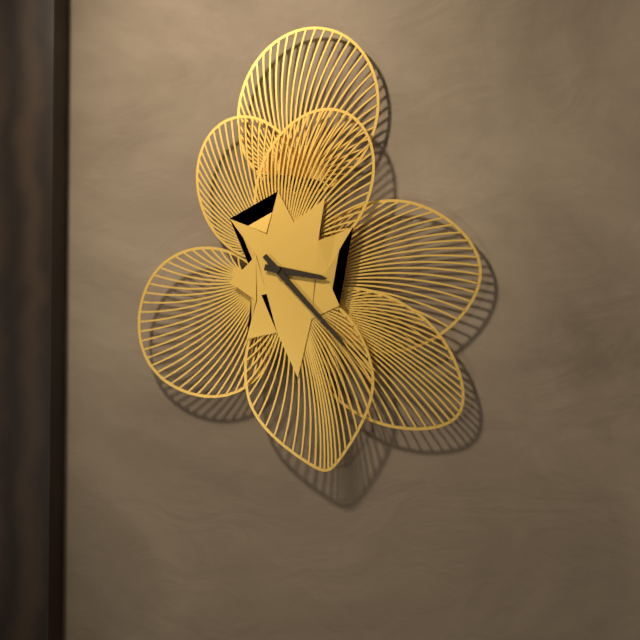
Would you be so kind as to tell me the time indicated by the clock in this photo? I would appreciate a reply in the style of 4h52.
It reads 3h23
